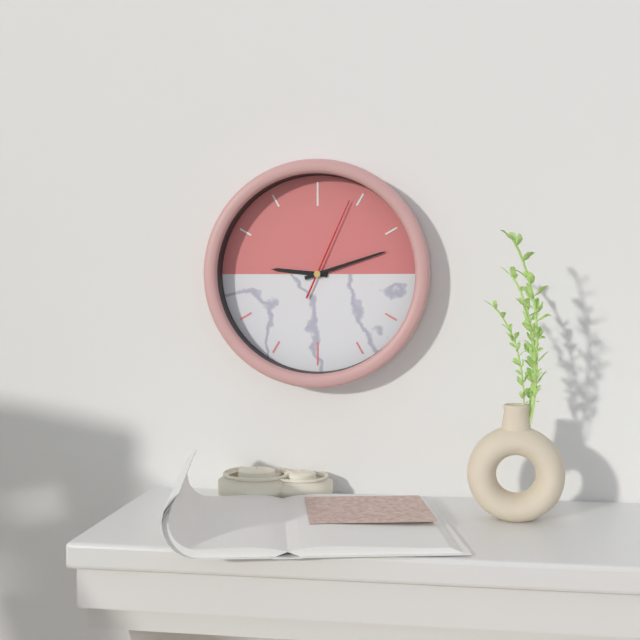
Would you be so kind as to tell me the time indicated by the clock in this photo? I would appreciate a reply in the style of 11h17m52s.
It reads 9h12m04s
